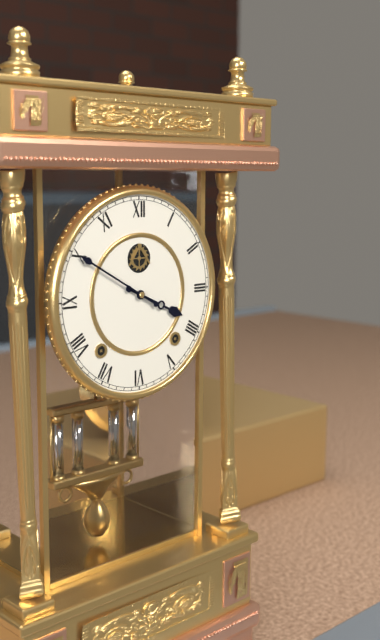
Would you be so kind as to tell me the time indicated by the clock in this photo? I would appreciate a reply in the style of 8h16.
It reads 3h50
